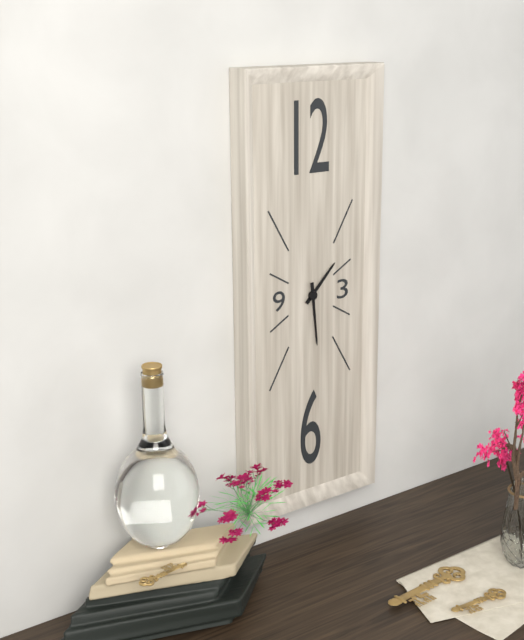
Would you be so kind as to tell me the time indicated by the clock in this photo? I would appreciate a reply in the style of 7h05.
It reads 1h29
